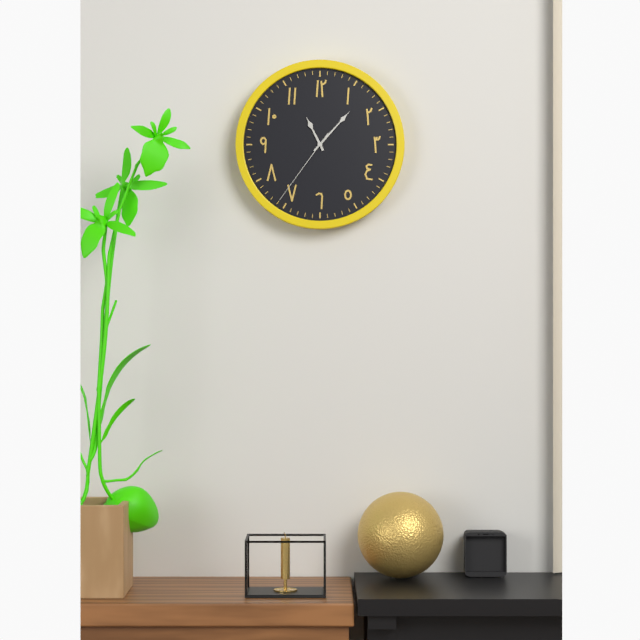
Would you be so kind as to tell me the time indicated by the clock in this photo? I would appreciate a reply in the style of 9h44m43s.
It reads 11h07m36s
